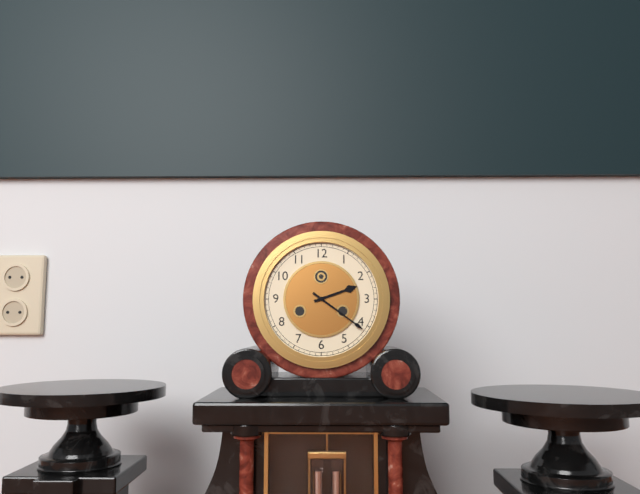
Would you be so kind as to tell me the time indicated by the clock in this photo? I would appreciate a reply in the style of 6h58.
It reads 2h21
